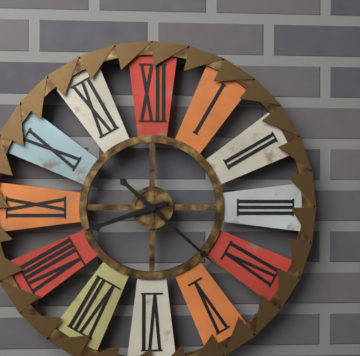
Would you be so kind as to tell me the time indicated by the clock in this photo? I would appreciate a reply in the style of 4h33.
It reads 8h22
